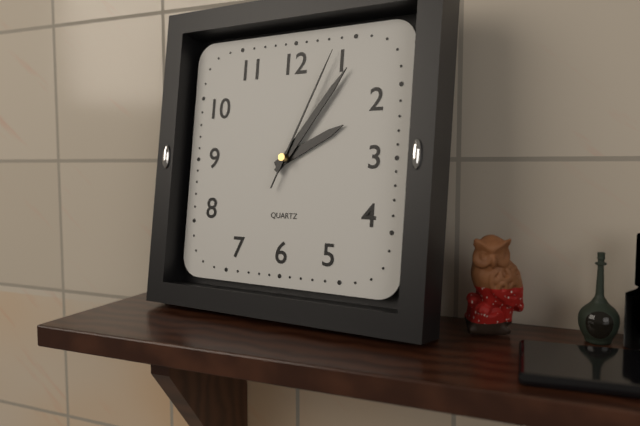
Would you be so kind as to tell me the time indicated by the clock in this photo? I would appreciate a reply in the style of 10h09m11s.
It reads 2h06m04s
